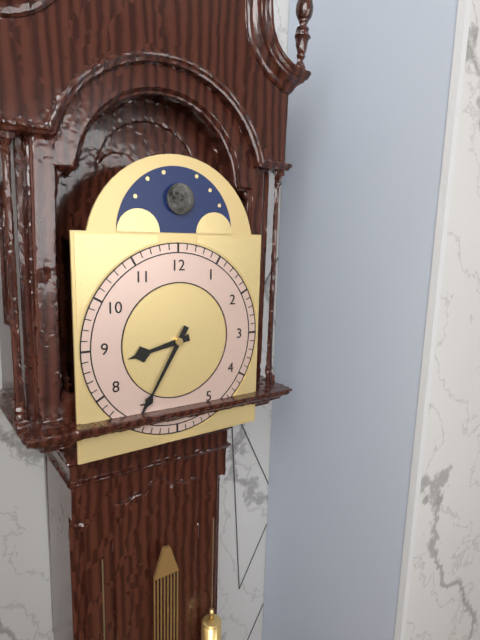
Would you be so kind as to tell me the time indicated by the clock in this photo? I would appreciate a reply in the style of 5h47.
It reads 8h35
